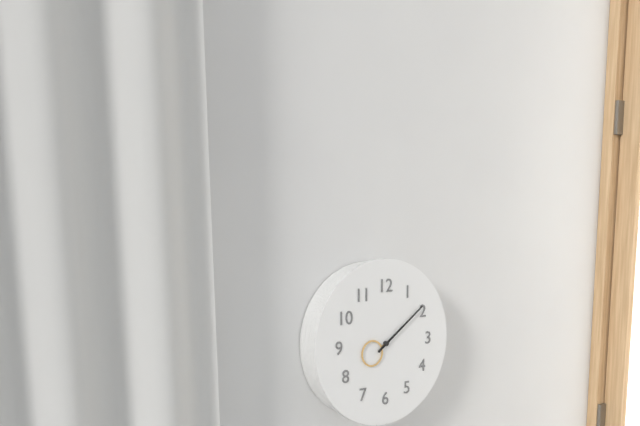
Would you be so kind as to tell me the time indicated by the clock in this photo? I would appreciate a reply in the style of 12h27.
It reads 8h09
